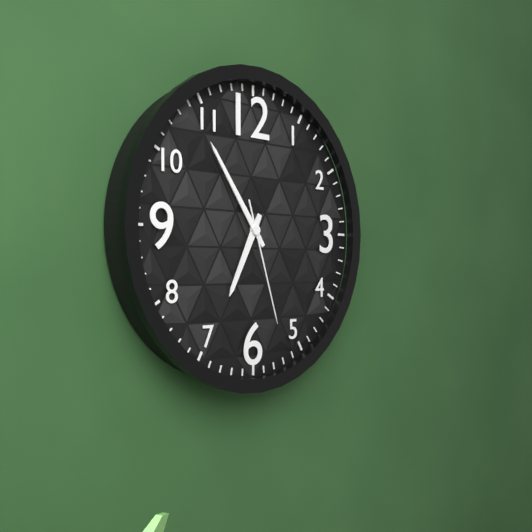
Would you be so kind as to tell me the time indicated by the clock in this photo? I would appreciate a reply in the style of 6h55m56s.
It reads 6h54m27s
